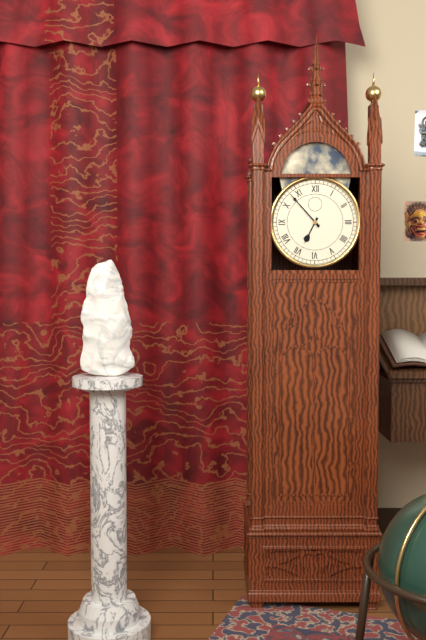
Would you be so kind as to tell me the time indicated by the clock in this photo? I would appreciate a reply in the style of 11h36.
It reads 6h53
